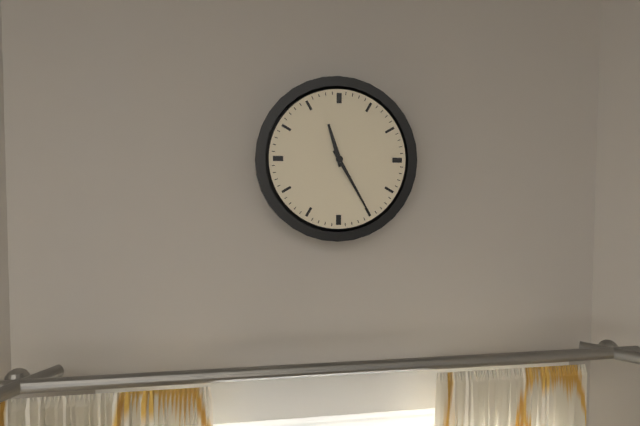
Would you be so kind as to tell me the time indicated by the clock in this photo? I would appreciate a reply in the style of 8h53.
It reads 11h25
